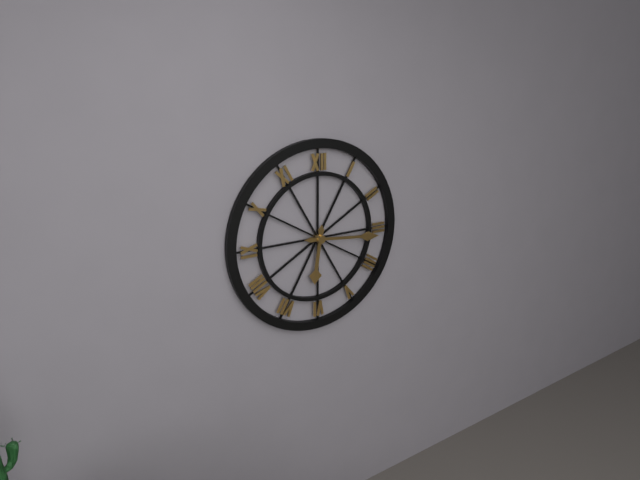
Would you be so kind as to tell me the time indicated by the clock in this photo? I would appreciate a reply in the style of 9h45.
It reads 6h16
